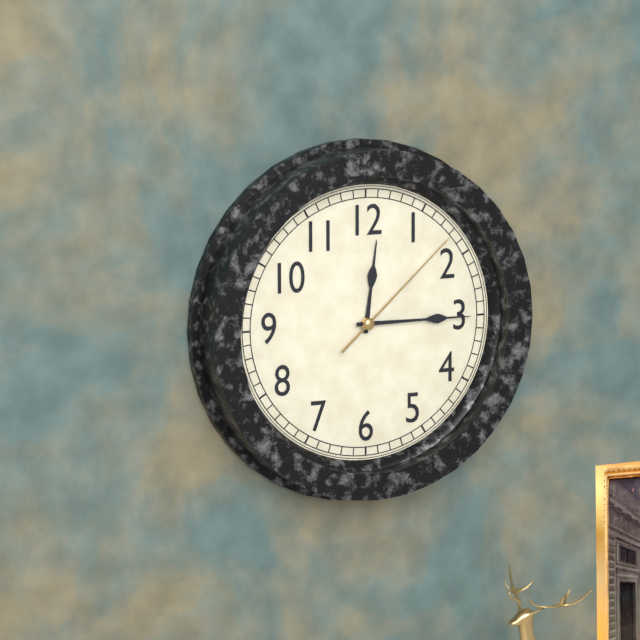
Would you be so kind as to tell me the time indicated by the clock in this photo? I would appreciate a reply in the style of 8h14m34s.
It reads 12h15m08s
